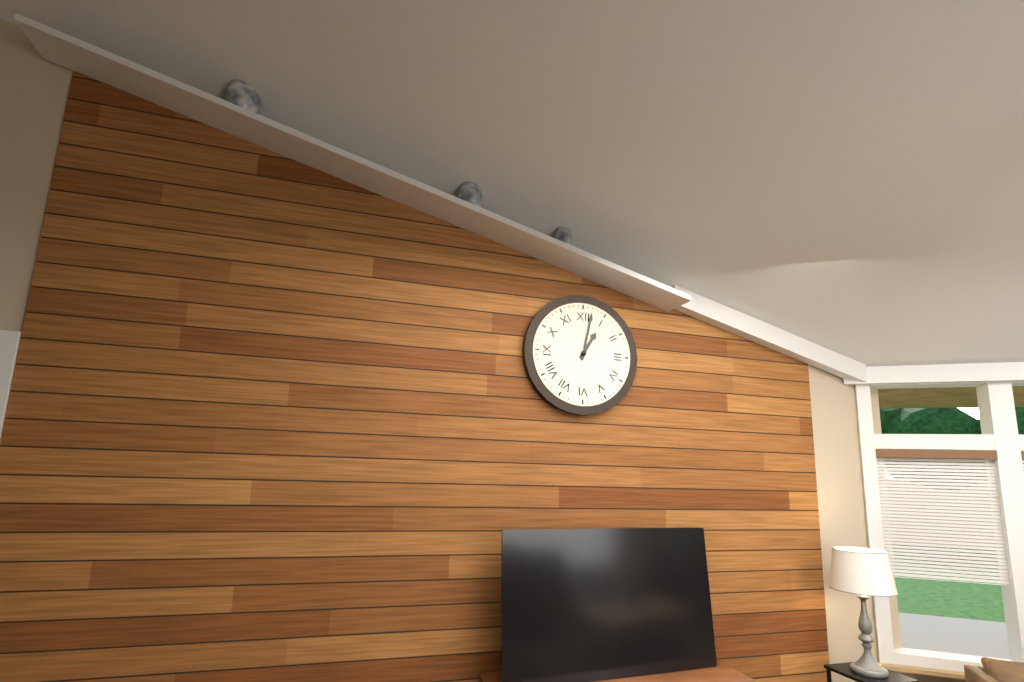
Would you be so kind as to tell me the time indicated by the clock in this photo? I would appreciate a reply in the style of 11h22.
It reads 1h02
